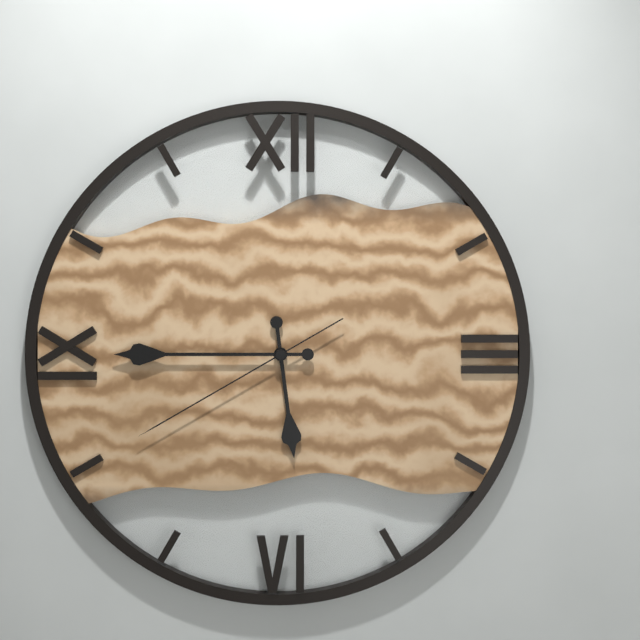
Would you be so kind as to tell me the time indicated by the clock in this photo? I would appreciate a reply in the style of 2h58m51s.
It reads 5h45m40s
